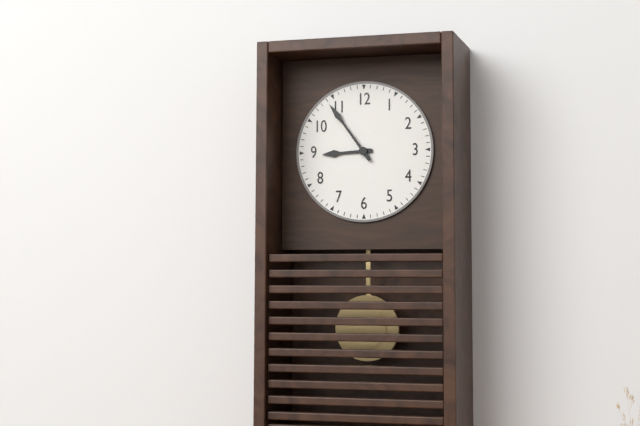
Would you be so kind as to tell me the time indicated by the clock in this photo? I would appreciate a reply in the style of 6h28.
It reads 8h54
